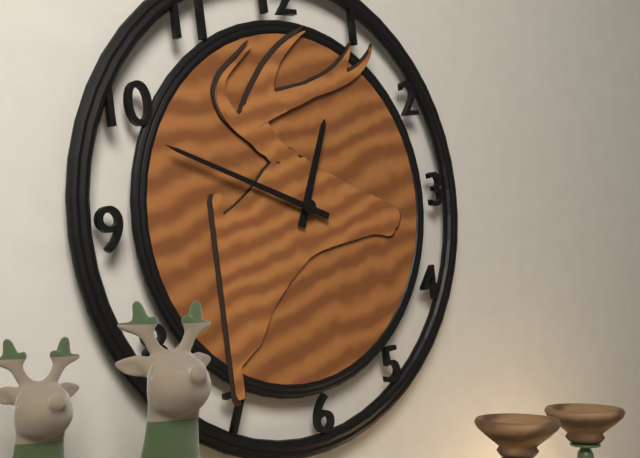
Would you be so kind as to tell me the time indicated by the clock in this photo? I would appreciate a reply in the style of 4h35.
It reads 12h49
